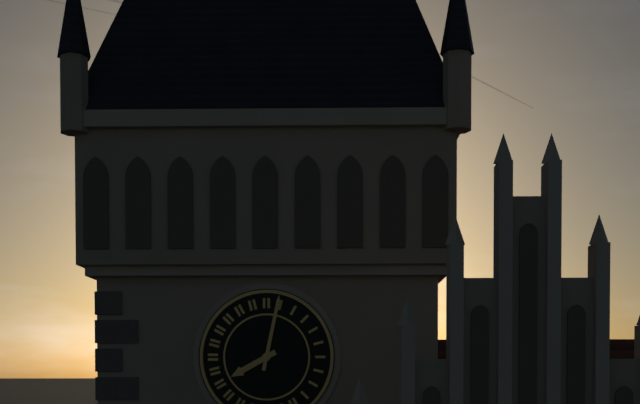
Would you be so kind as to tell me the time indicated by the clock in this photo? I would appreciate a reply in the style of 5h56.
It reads 8h02
